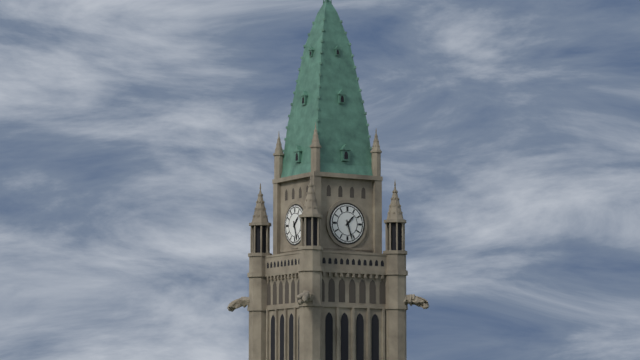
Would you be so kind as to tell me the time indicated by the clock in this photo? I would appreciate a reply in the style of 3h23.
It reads 1h27
